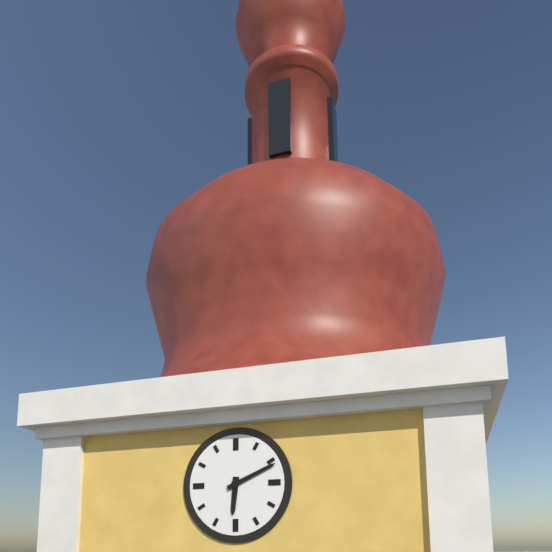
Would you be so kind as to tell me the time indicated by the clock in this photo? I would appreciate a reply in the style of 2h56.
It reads 6h11
